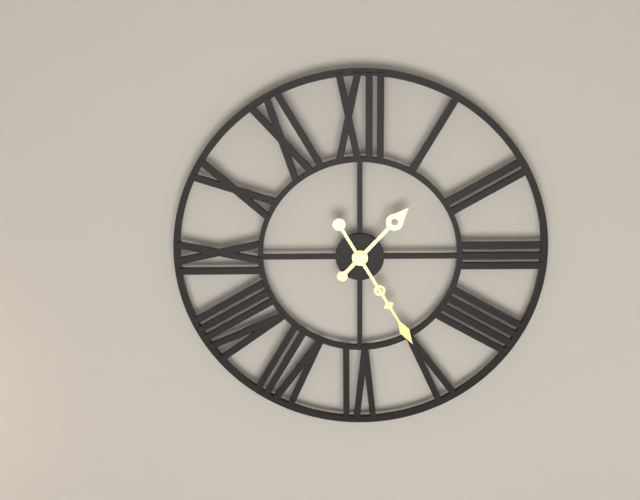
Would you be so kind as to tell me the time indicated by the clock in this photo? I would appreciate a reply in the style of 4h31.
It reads 1h25
